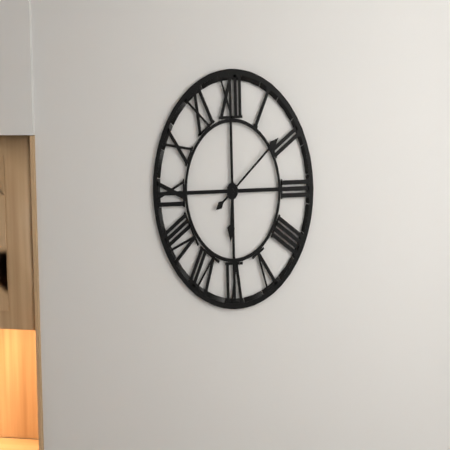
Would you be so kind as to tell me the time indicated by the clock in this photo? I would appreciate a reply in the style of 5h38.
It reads 6h09
